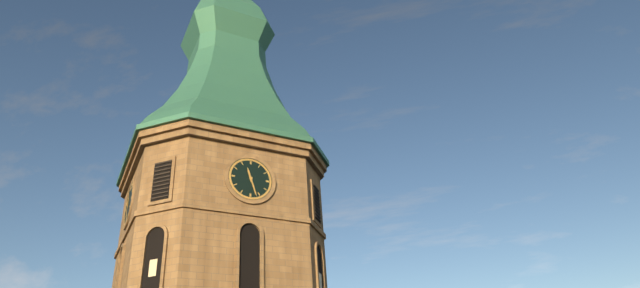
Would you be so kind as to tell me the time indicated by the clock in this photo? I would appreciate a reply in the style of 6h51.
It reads 11h27
